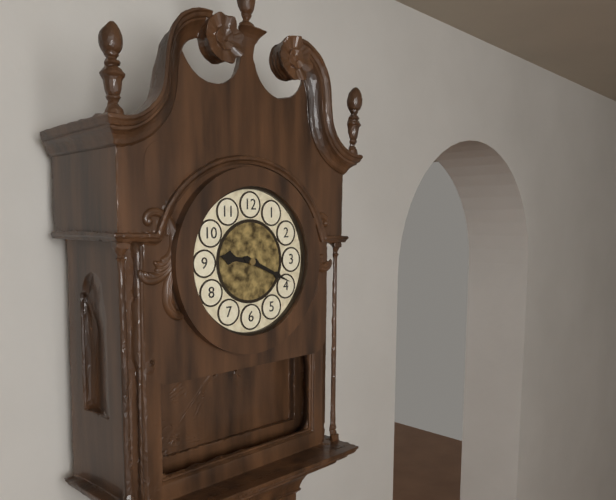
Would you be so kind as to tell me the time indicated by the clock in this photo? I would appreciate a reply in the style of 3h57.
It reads 9h19
